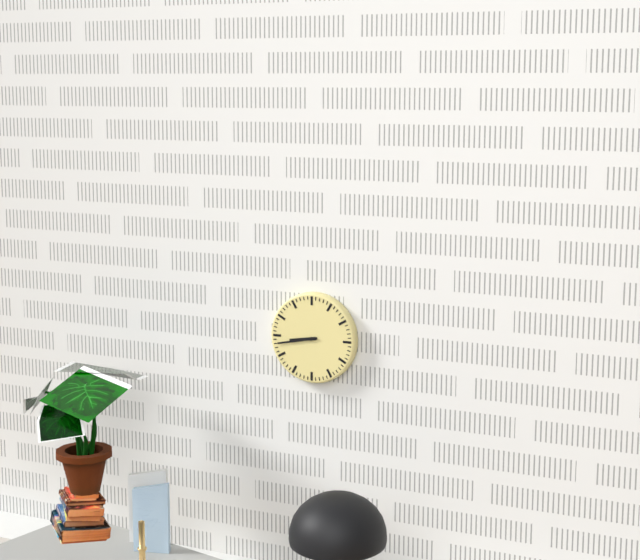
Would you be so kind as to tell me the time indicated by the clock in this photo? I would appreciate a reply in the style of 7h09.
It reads 8h43
